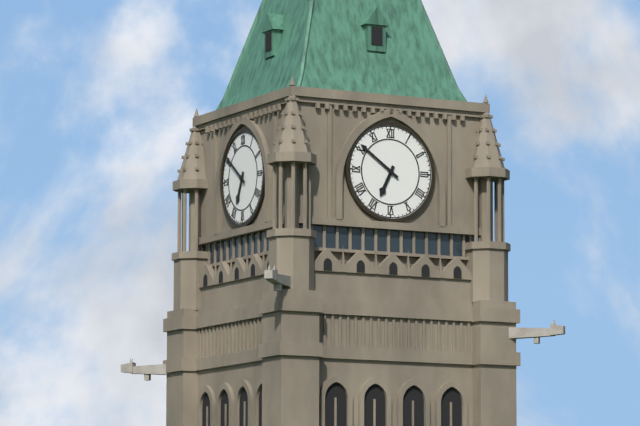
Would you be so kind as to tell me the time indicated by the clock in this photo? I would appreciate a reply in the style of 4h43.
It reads 6h51
